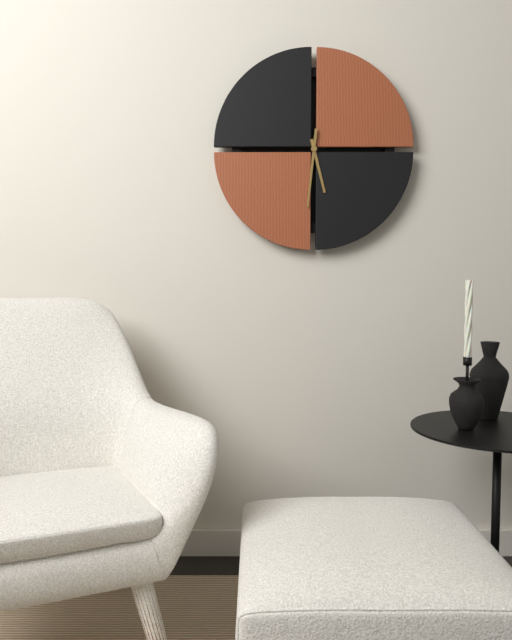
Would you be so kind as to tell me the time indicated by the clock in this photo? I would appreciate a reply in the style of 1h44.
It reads 5h31
